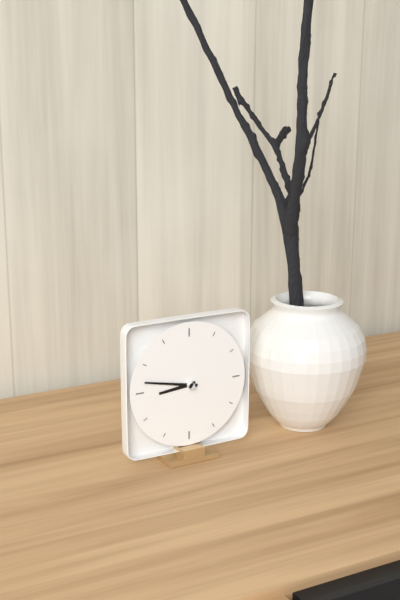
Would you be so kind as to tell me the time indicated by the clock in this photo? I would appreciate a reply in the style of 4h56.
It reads 8h47
